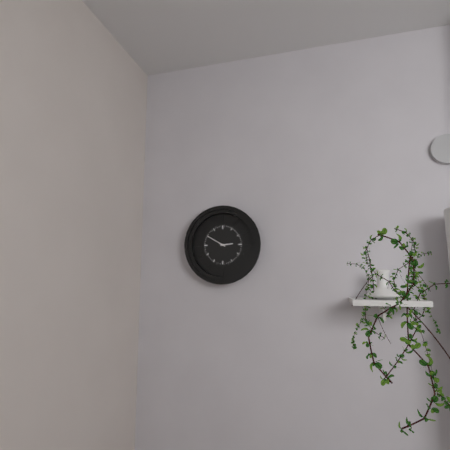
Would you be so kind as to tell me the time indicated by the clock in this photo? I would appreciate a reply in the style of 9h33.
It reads 2h50
